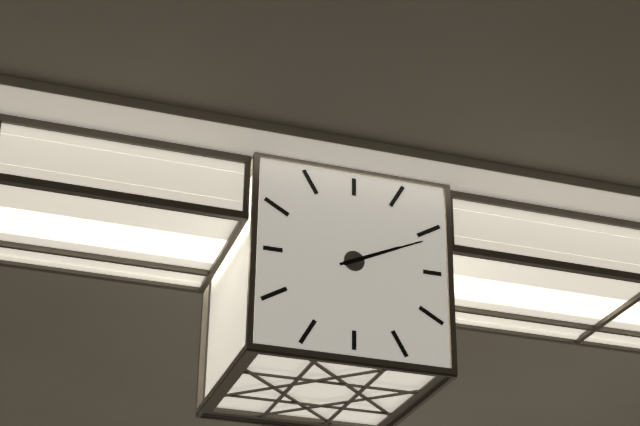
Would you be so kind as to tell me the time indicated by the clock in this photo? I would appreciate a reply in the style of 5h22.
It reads 2h11
